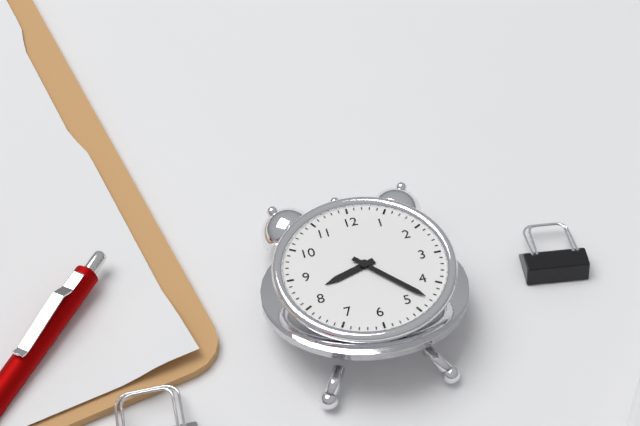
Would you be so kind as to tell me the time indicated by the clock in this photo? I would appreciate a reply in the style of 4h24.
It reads 8h23
